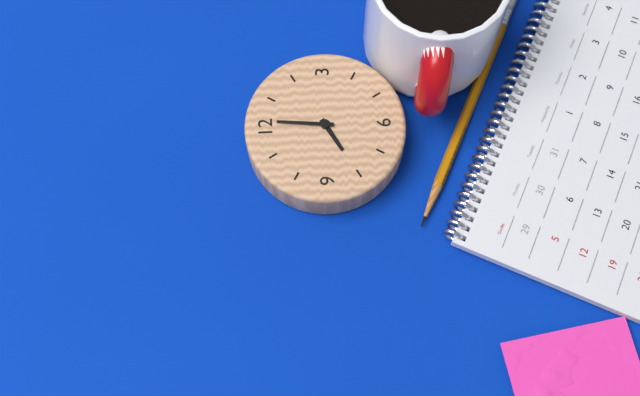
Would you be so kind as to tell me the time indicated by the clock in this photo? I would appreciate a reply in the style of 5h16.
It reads 8h01
